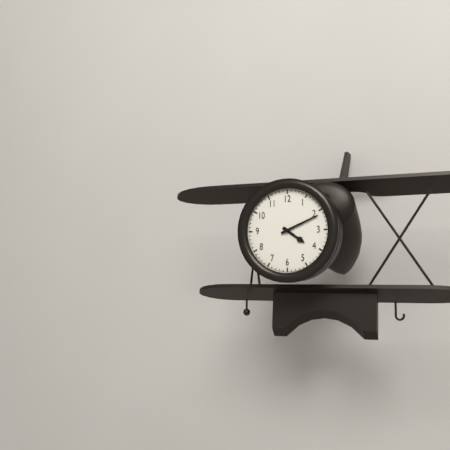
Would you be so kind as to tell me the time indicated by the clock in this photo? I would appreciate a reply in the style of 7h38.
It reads 4h11
